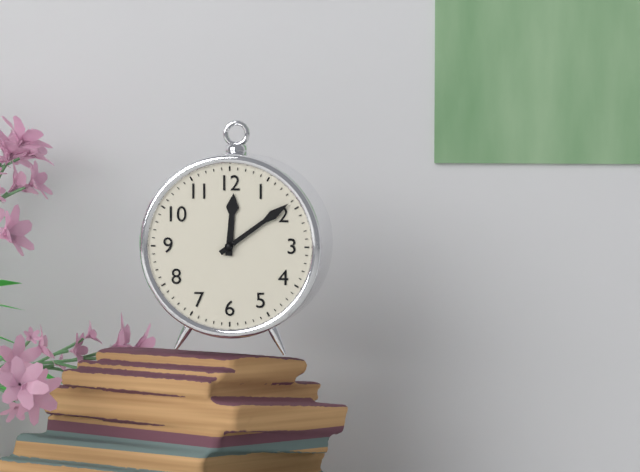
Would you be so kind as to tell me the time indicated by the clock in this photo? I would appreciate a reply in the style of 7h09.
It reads 12h09
